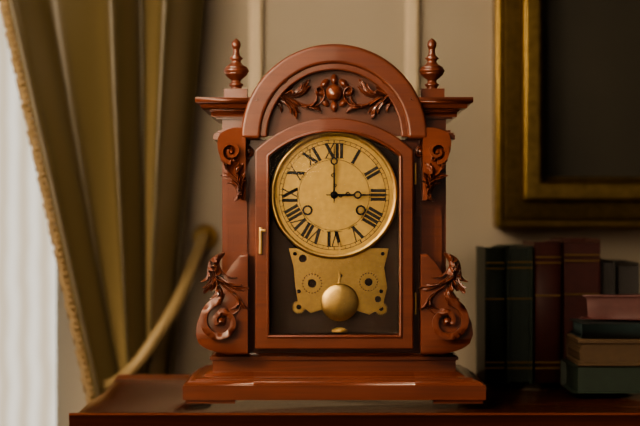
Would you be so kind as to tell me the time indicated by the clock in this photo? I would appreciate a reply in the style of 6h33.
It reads 3h00
